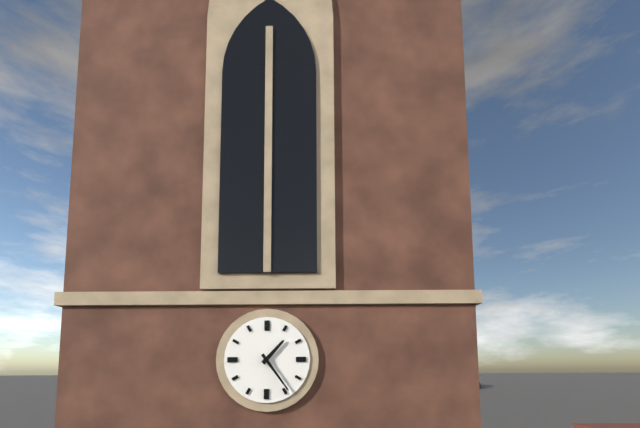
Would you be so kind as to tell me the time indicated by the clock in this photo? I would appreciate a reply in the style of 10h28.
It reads 1h24
